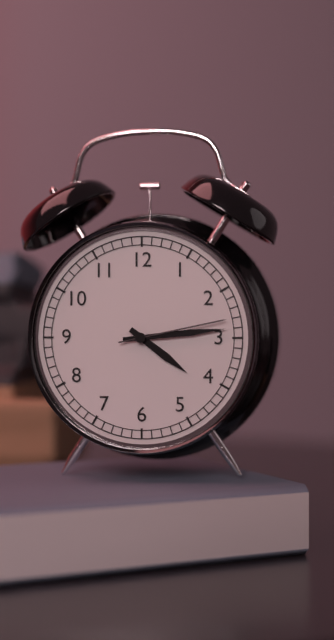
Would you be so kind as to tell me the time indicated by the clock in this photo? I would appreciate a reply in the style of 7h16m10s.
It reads 4h14m13s
